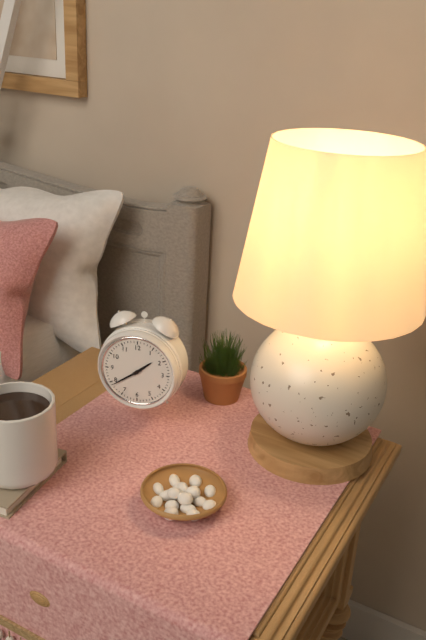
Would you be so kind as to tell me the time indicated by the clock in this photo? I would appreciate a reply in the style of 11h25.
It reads 1h39
